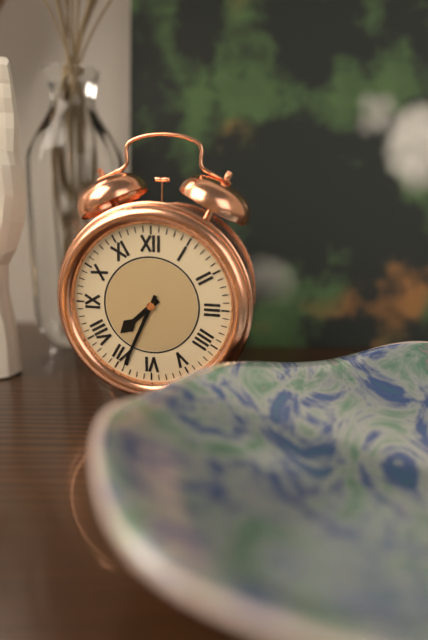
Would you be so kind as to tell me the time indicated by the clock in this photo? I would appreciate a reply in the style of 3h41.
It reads 7h34
